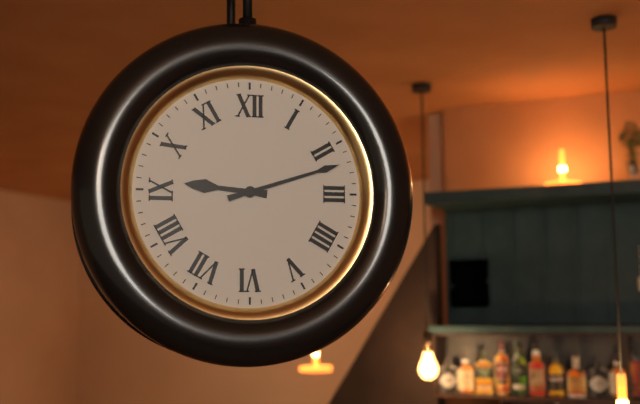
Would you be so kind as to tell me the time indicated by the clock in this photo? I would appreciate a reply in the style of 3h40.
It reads 9h12
